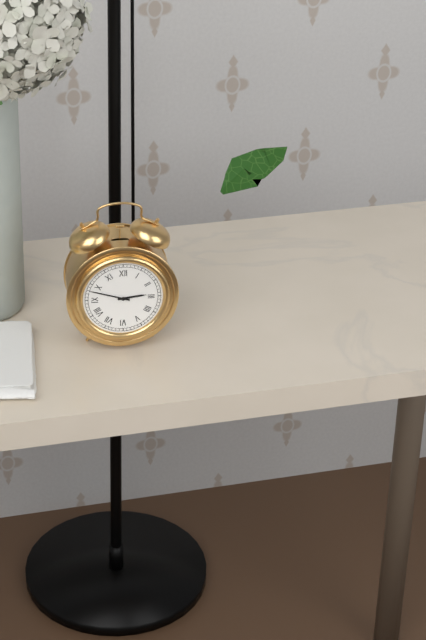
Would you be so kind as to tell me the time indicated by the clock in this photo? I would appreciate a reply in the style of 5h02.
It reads 2h48
